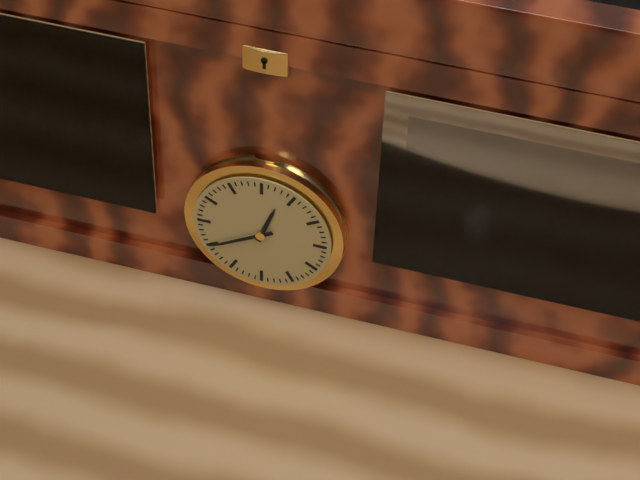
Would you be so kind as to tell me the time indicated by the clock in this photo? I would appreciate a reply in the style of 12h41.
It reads 12h40
